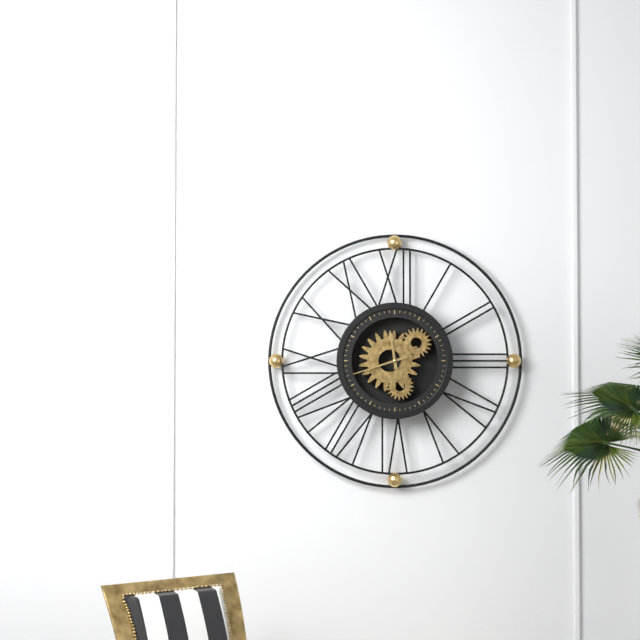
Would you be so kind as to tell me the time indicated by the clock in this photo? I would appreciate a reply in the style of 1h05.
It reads 11h42
